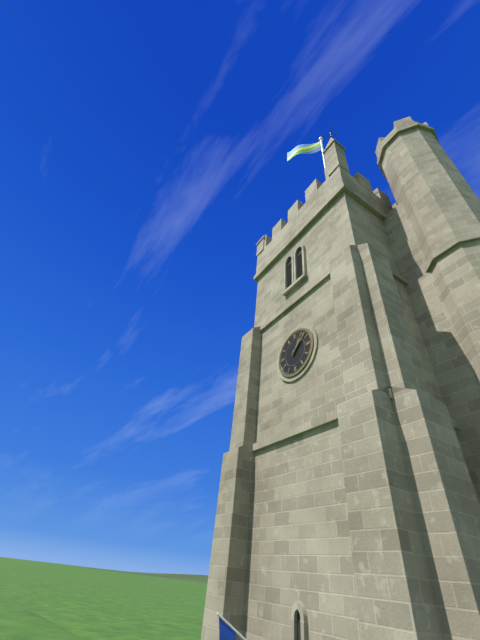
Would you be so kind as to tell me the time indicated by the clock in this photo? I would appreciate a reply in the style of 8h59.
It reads 1h08
